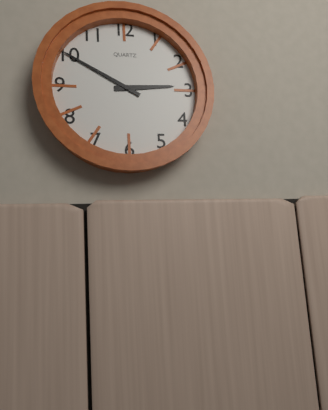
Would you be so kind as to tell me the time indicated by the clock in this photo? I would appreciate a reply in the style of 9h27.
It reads 2h50
